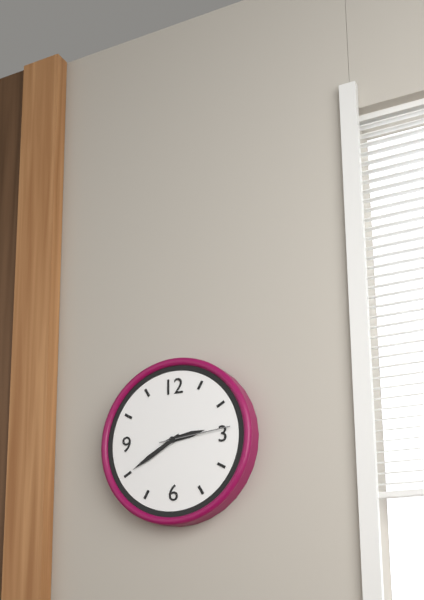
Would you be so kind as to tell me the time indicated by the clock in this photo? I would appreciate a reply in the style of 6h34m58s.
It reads 2h40m14s
